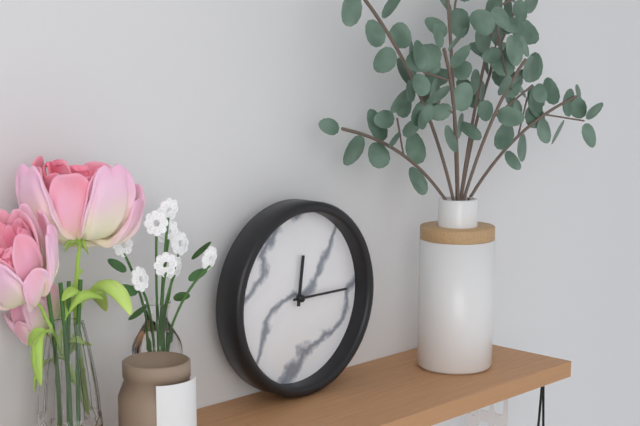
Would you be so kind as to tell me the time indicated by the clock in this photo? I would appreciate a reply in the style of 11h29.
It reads 12h15
